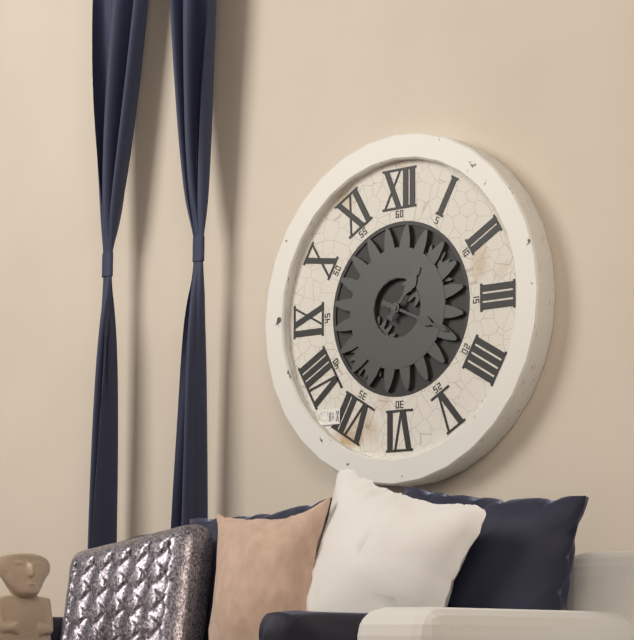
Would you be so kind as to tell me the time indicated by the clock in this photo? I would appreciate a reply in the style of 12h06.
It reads 1h19
